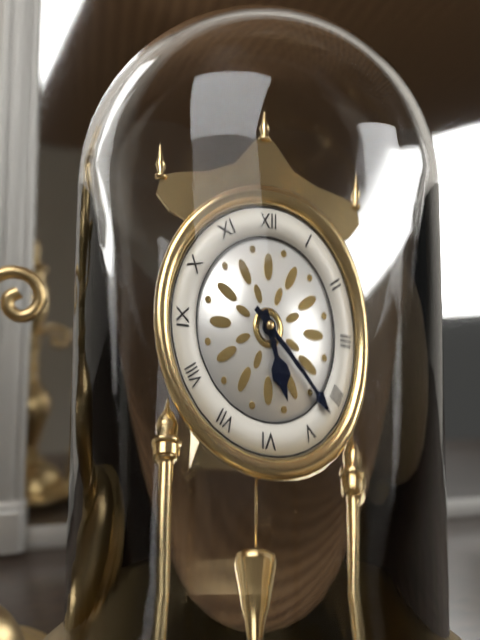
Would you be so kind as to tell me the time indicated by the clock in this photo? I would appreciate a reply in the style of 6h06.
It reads 5h22
